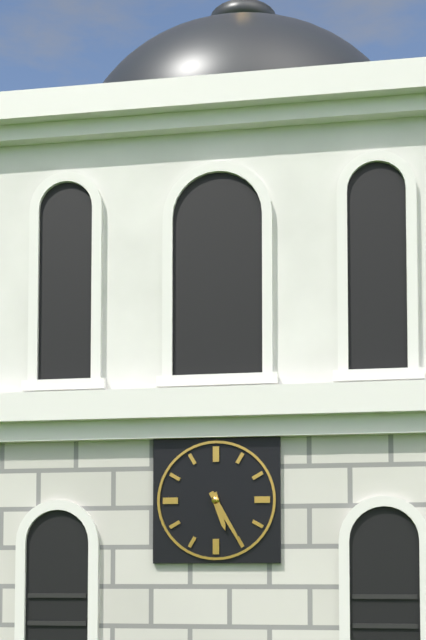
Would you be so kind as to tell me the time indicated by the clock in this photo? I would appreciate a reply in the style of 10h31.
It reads 5h25
